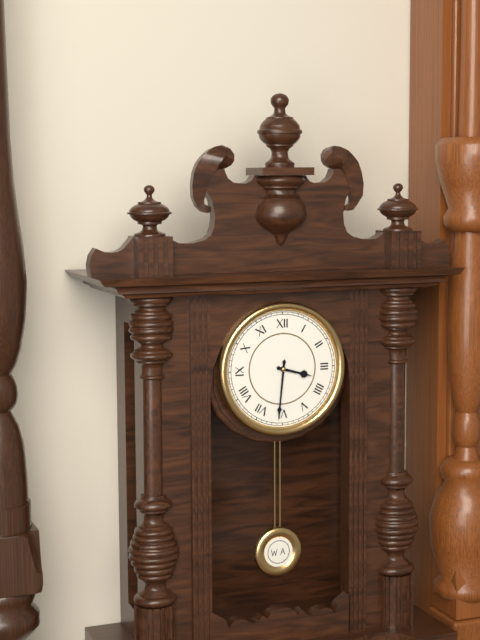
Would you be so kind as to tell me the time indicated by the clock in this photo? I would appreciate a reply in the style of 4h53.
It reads 3h31
